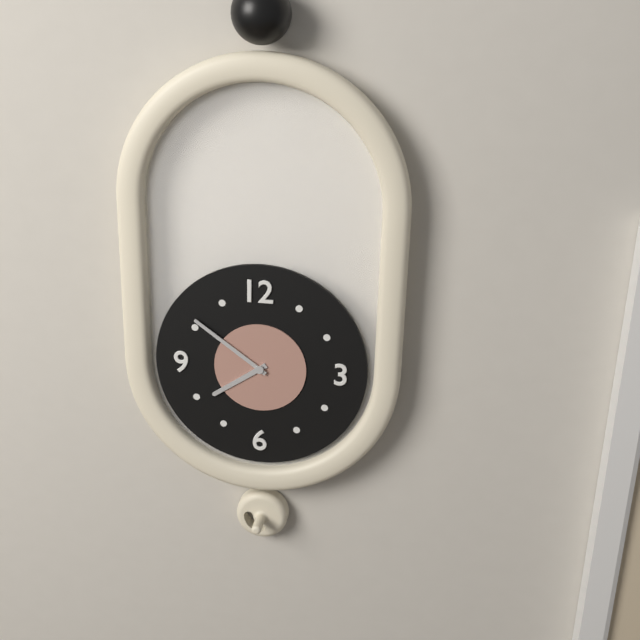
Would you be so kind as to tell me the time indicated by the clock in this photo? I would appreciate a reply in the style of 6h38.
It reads 7h51
